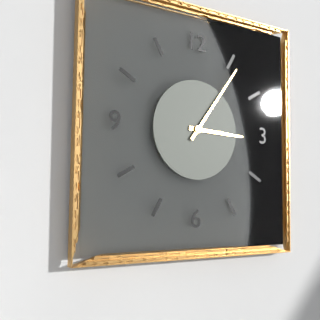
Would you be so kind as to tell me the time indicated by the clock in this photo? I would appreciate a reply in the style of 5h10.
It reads 3h06
